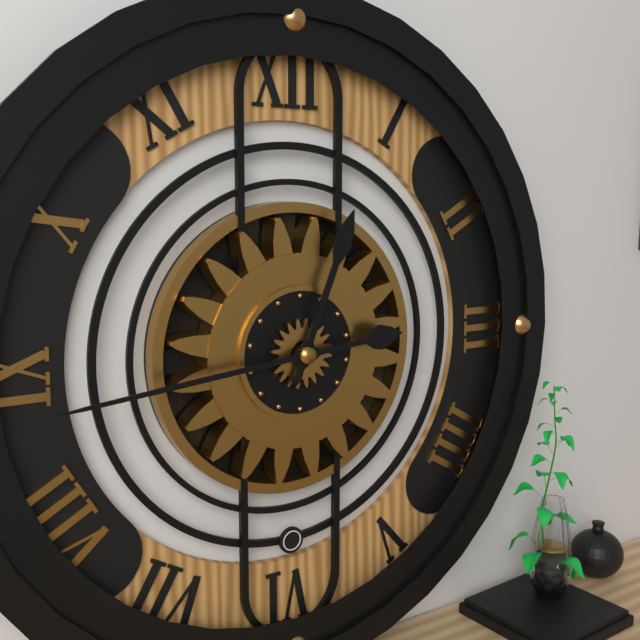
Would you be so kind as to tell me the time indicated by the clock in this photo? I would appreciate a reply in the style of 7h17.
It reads 12h44
